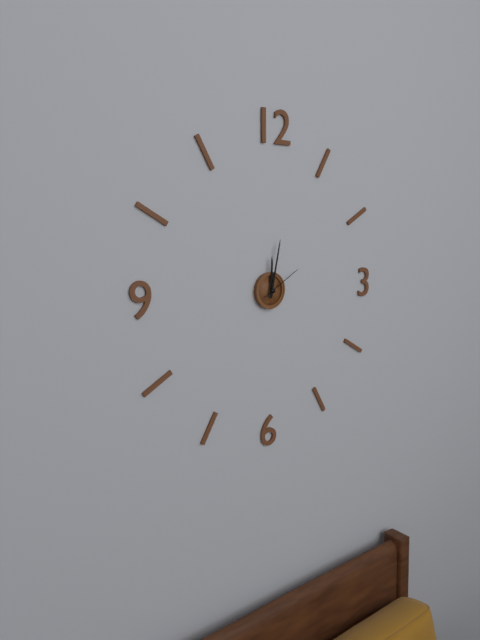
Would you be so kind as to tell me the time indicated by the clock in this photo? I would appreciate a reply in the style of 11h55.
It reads 12h02
